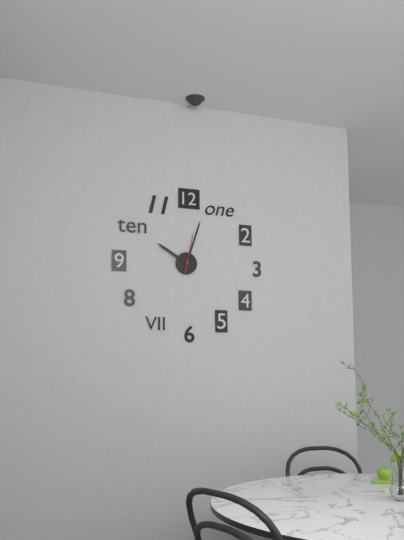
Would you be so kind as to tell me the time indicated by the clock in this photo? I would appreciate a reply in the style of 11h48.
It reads 10h03
